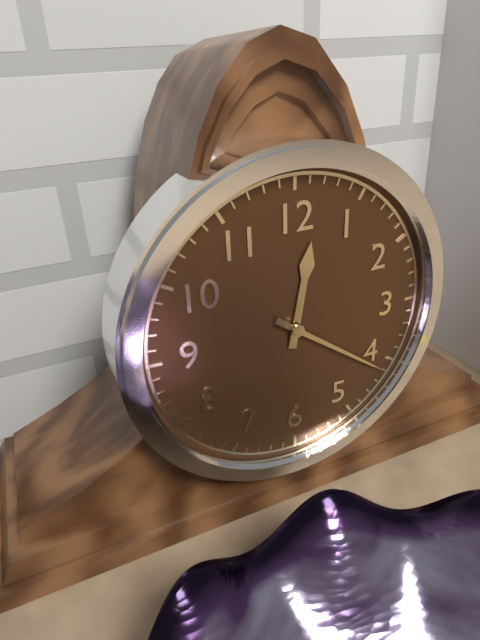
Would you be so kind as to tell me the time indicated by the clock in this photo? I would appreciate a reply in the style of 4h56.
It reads 12h21
